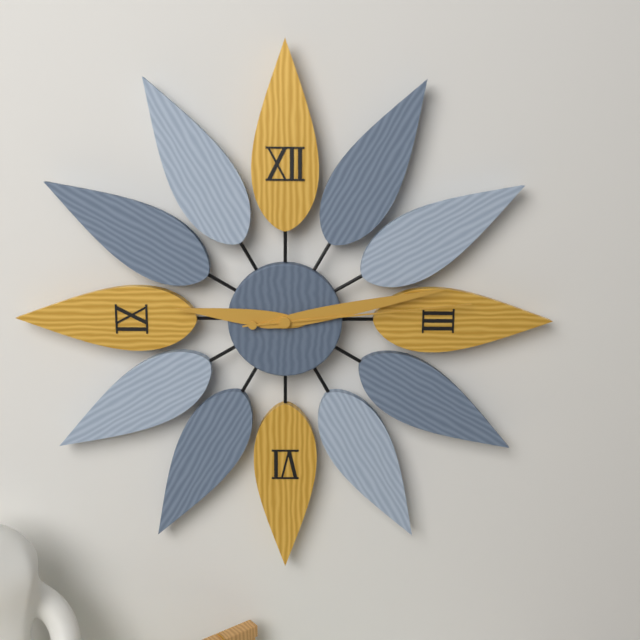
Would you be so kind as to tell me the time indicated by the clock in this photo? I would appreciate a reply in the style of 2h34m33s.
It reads 9h13m14s
